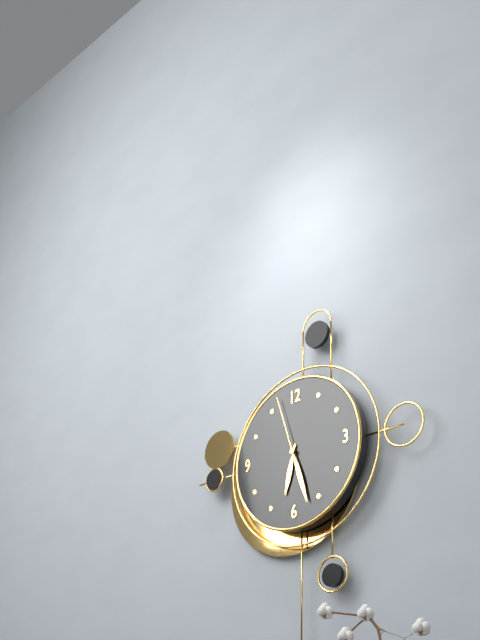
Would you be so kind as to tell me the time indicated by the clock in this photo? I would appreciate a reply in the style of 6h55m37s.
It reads 6h27m57s
